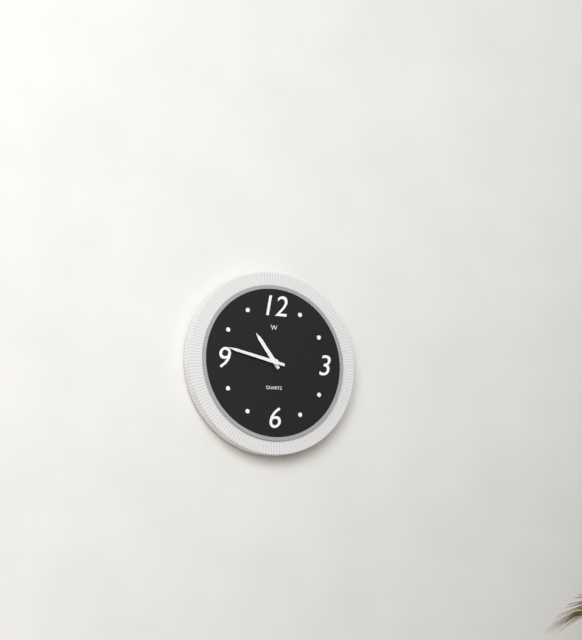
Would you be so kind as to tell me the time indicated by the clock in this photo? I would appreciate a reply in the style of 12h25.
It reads 10h47
